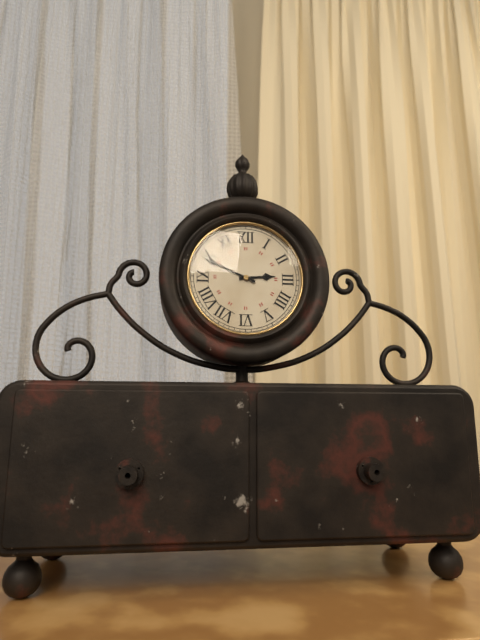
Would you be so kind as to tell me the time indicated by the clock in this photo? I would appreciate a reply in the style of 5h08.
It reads 2h49
